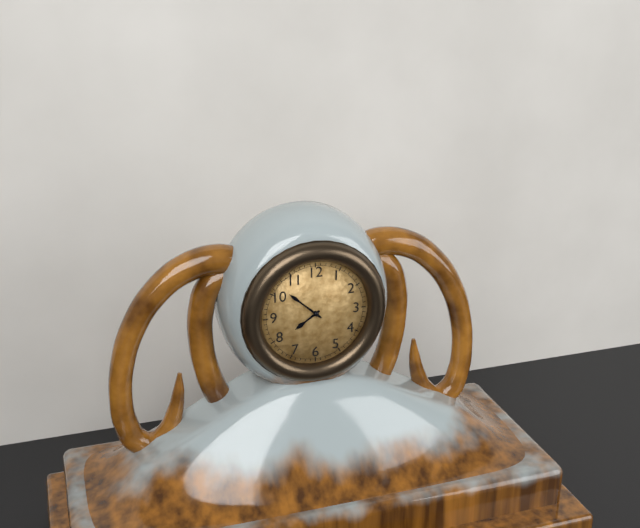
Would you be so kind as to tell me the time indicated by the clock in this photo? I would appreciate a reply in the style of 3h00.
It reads 7h52
